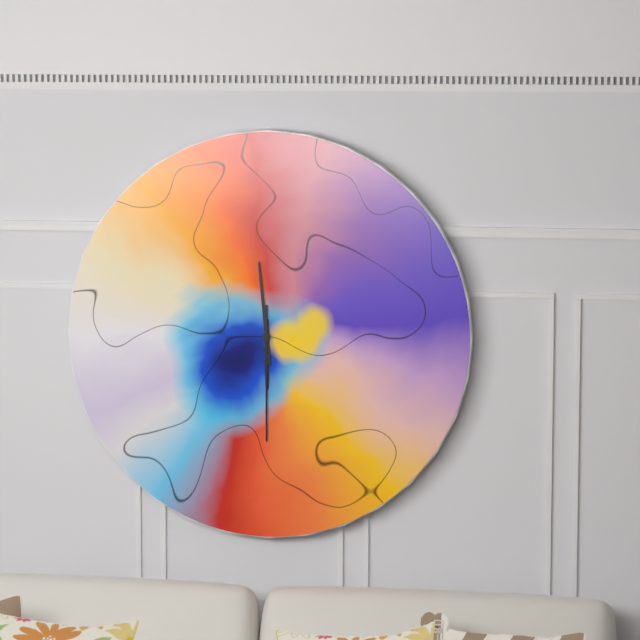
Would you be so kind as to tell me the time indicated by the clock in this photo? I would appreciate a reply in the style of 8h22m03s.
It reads 5h59m30s
